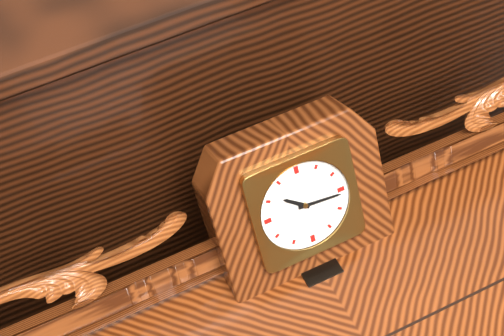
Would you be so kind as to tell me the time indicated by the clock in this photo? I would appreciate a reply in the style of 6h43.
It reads 10h16
